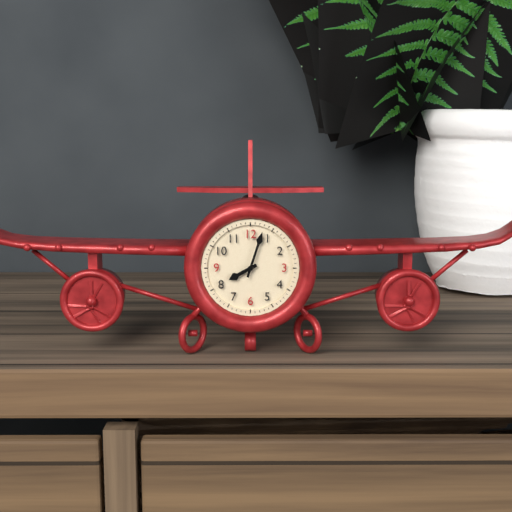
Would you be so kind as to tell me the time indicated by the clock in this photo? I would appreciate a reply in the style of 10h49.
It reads 8h03
